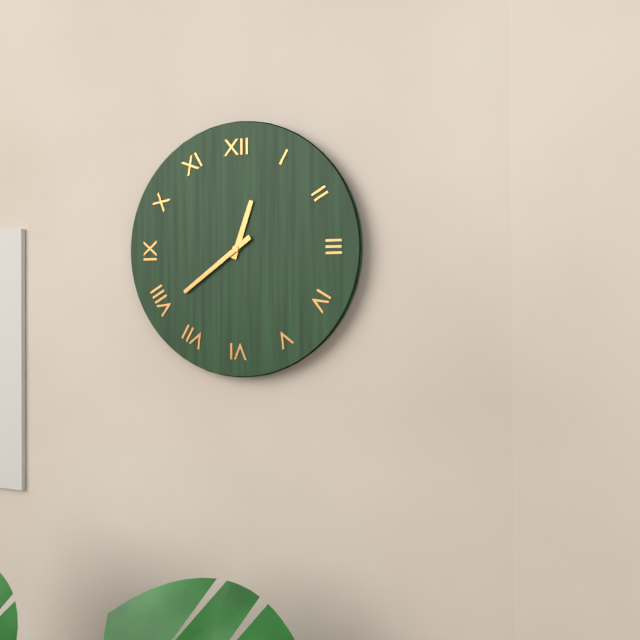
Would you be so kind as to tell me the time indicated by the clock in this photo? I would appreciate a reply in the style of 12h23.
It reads 12h39
